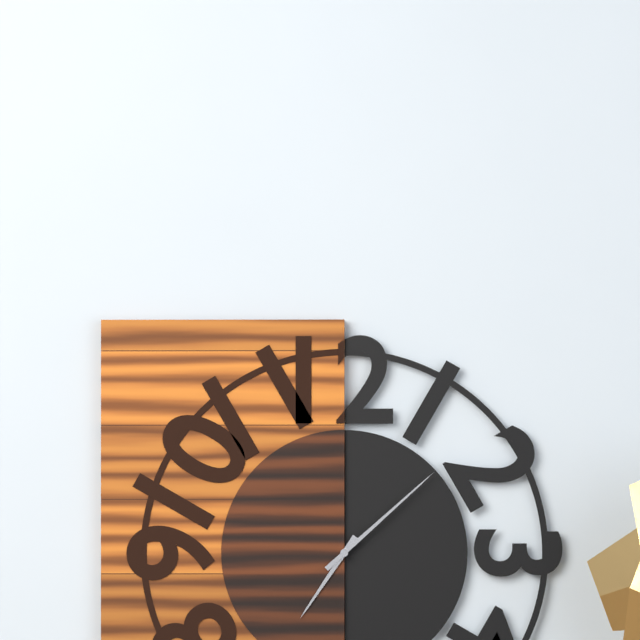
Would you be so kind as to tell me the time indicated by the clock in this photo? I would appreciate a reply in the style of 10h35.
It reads 7h08
